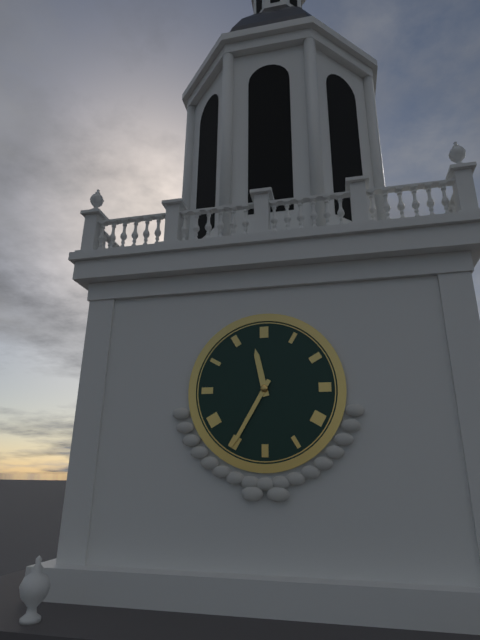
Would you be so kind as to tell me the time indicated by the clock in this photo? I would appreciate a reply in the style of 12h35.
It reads 11h35
